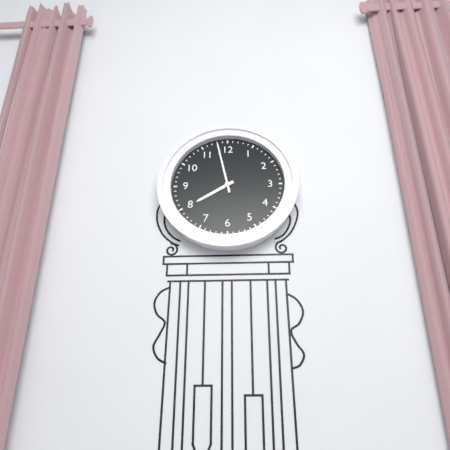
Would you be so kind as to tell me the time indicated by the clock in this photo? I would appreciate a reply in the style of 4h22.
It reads 7h58
